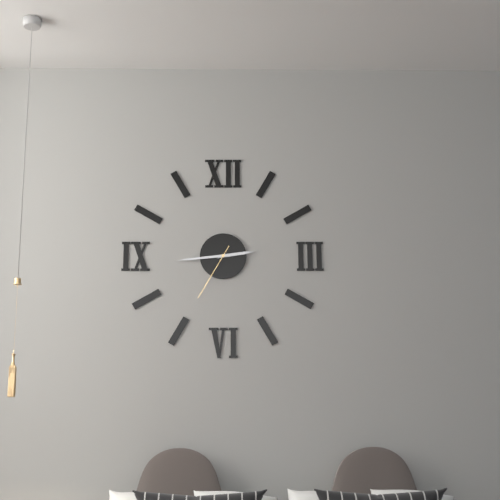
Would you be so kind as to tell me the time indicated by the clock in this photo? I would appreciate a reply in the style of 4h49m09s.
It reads 2h44m35s
